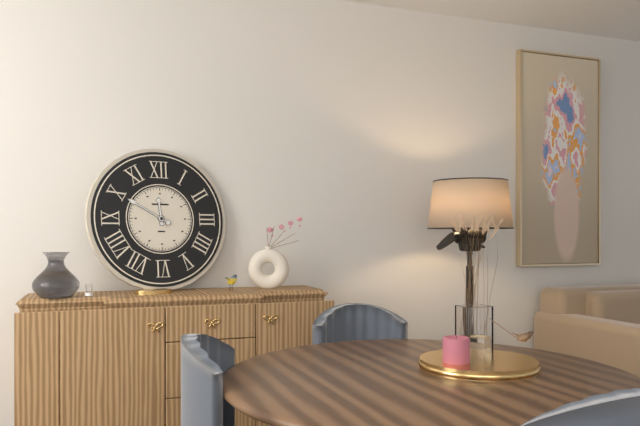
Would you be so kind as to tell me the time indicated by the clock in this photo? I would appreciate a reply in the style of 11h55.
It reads 11h50
